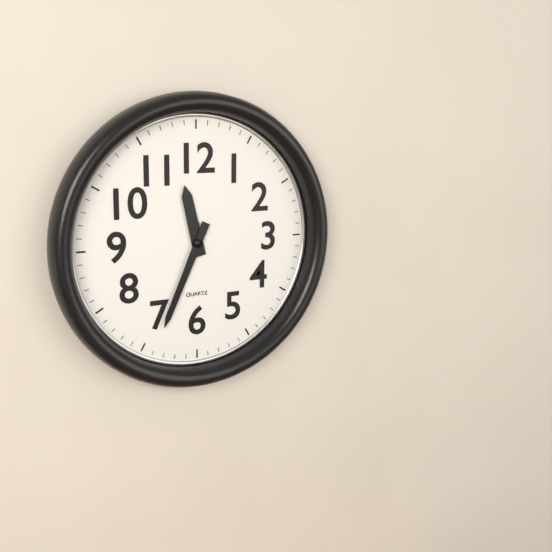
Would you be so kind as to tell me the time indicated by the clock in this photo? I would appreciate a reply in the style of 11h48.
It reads 11h34
